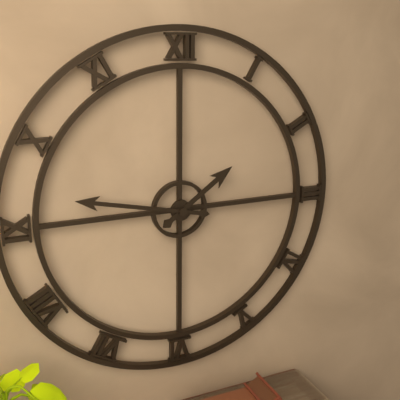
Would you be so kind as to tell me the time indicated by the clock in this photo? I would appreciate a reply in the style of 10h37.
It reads 1h47
